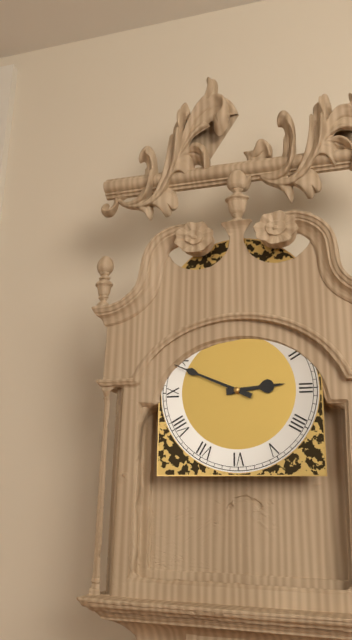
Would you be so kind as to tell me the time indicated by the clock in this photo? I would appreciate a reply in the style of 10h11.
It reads 2h49
